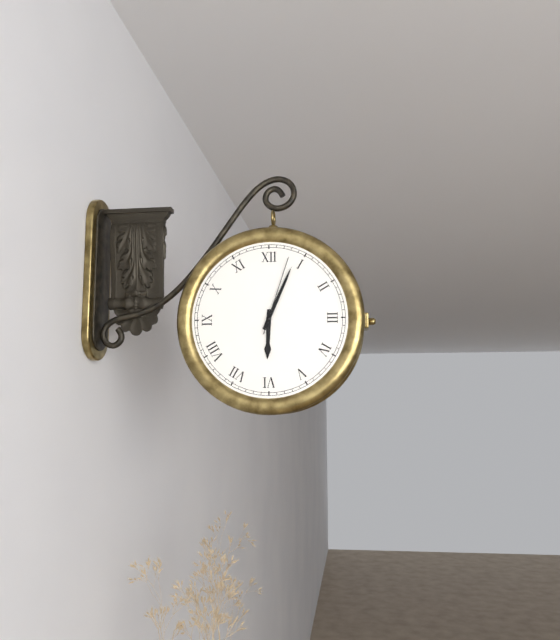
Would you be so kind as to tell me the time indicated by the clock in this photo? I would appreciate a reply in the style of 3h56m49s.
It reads 6h04m03s
